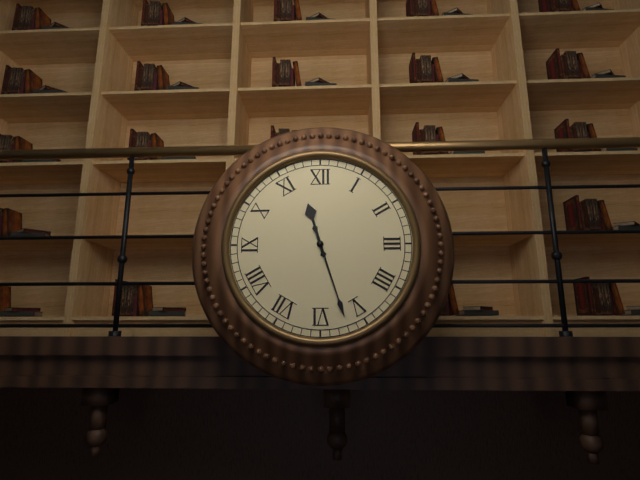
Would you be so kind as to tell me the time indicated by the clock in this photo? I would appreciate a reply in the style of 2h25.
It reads 11h27
